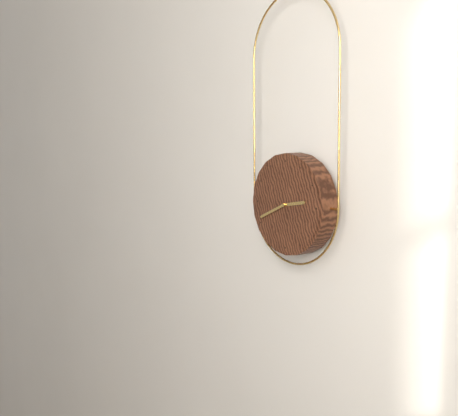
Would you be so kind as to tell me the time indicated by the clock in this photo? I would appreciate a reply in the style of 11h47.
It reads 2h41
